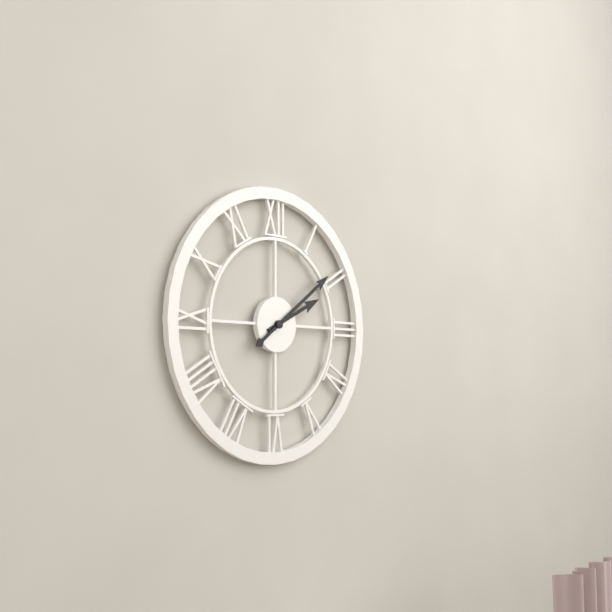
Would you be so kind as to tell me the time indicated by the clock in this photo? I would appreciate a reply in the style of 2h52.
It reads 2h09
